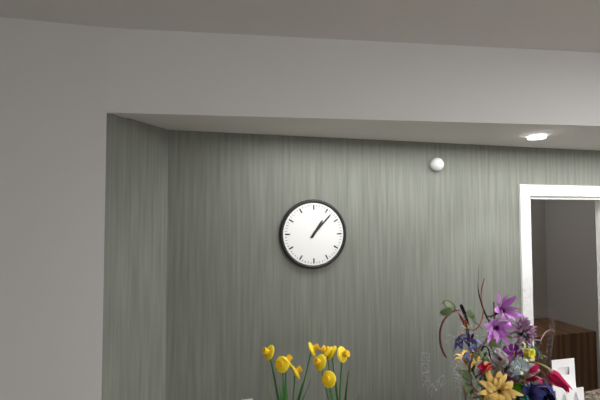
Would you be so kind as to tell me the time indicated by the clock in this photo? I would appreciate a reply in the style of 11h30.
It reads 1h07
